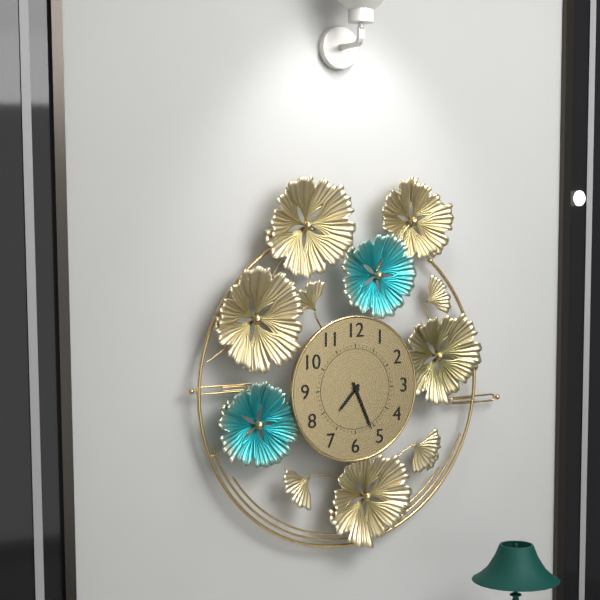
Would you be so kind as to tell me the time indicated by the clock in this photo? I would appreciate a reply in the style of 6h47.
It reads 7h26
